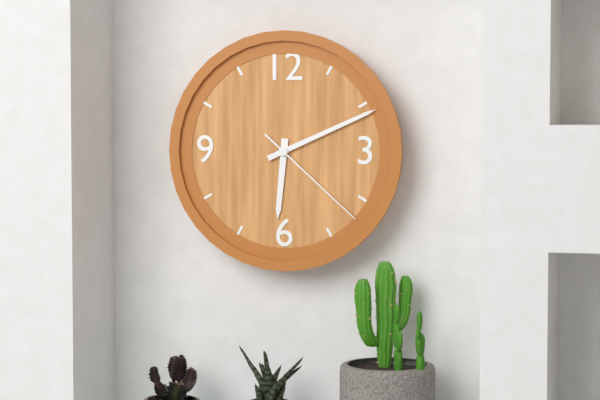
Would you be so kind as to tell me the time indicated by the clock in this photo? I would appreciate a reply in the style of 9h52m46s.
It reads 6h11m22s
